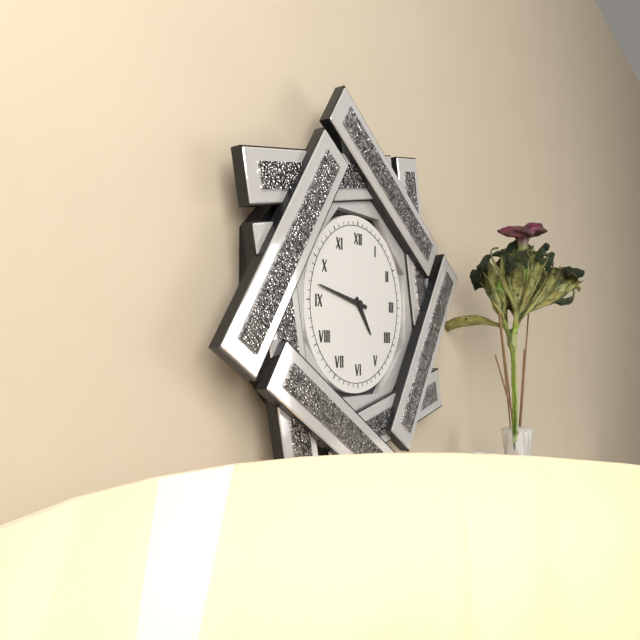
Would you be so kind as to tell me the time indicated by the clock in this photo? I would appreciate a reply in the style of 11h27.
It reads 4h47
